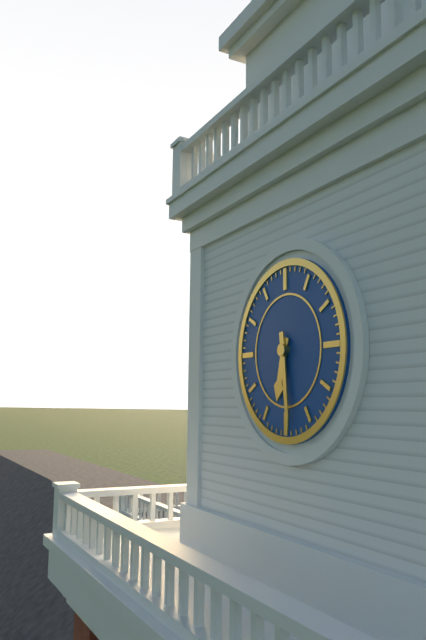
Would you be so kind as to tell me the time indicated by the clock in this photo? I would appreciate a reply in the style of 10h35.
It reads 6h29
